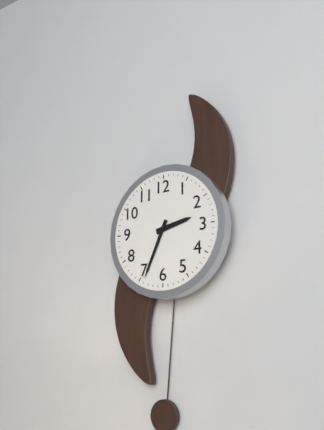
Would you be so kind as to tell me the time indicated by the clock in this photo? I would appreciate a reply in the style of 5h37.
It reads 2h34
